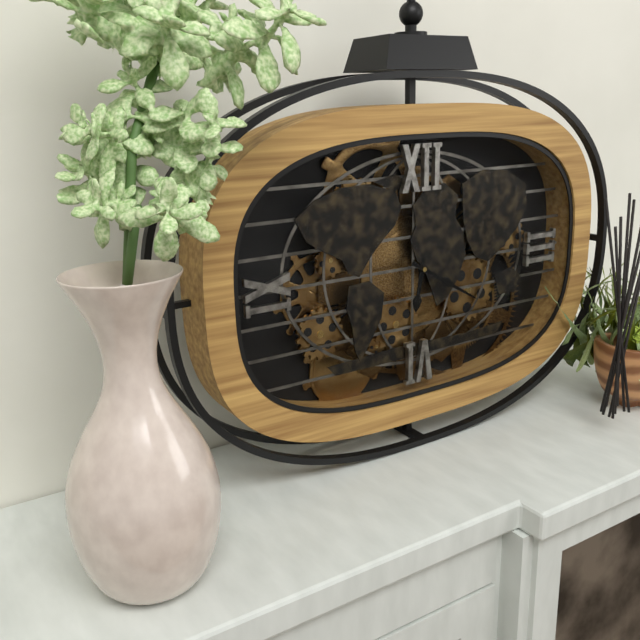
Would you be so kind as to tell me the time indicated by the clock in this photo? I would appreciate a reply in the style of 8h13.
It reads 6h20
